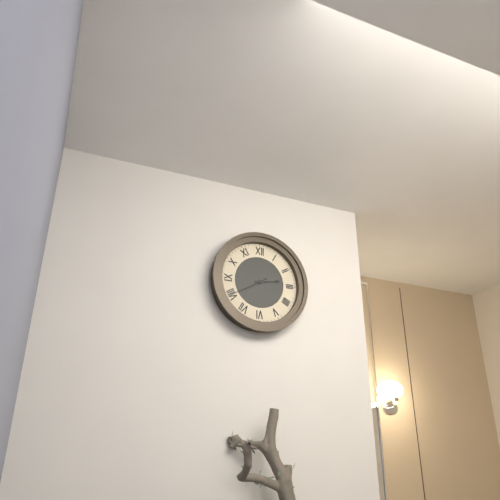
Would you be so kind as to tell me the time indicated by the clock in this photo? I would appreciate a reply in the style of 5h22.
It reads 2h40
